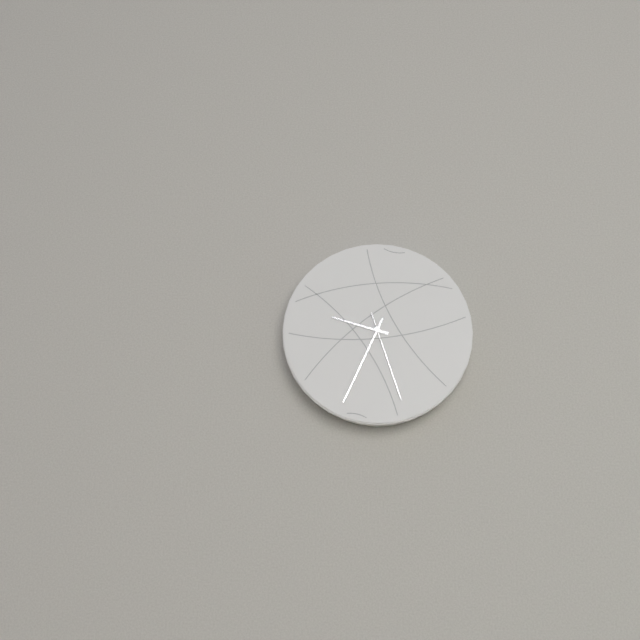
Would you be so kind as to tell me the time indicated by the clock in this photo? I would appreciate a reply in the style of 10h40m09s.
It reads 9h34m27s
